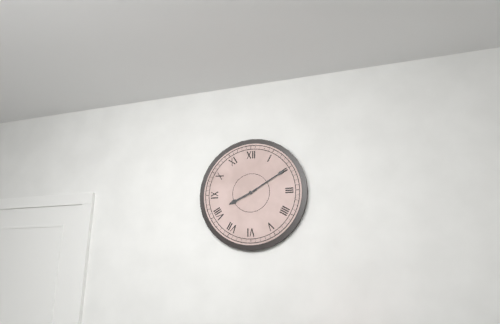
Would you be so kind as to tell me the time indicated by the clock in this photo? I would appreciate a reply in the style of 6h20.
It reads 8h10
